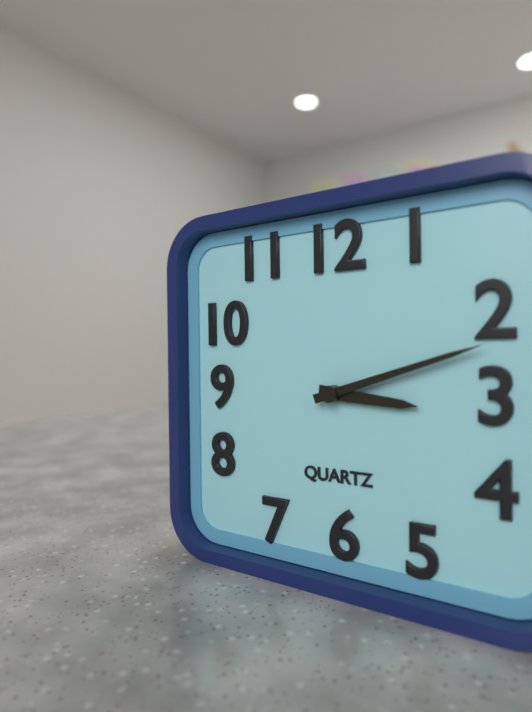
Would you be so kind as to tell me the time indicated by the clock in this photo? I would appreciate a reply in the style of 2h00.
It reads 3h12
